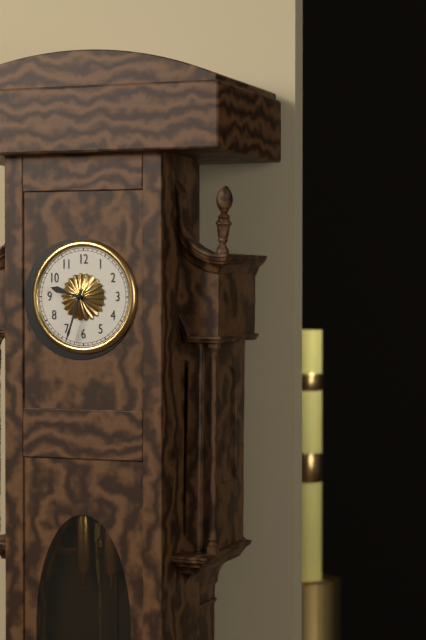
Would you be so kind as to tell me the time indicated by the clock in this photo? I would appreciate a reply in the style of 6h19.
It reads 9h33
